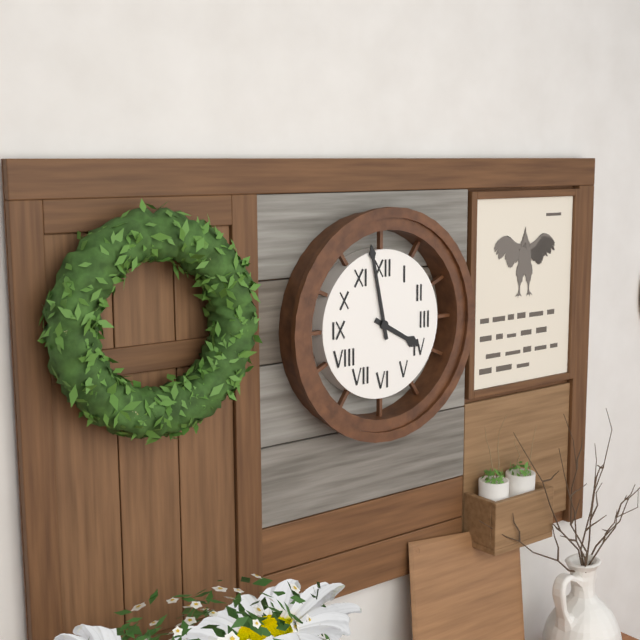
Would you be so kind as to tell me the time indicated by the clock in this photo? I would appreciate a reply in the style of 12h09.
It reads 3h58
